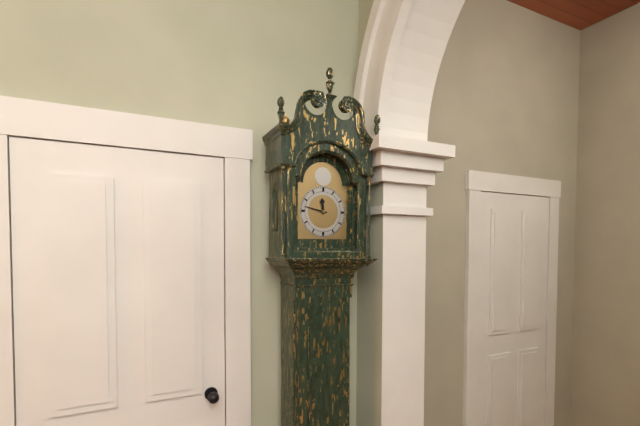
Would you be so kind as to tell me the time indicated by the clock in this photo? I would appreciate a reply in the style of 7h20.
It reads 11h47
